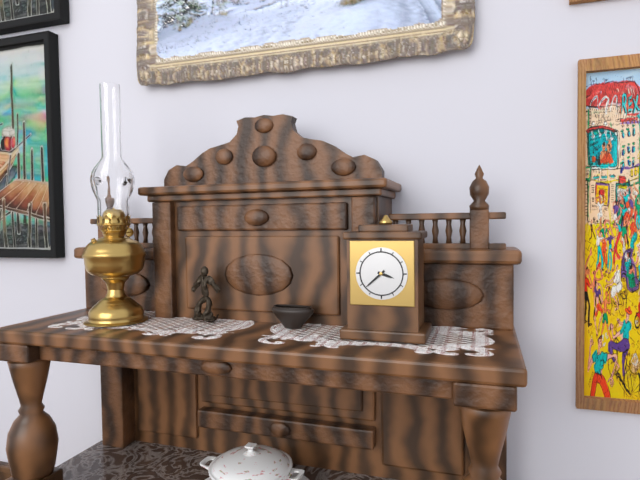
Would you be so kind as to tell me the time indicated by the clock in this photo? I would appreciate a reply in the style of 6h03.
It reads 3h38
